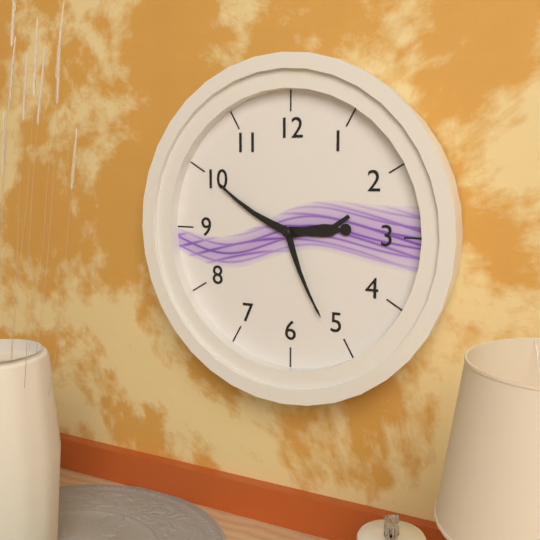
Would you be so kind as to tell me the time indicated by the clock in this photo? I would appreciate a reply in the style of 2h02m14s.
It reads 2h50m26s
